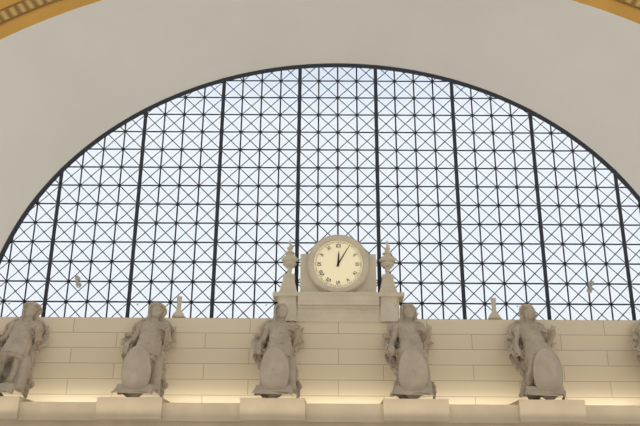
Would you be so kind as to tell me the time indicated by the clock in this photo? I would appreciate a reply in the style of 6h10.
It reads 12h05
